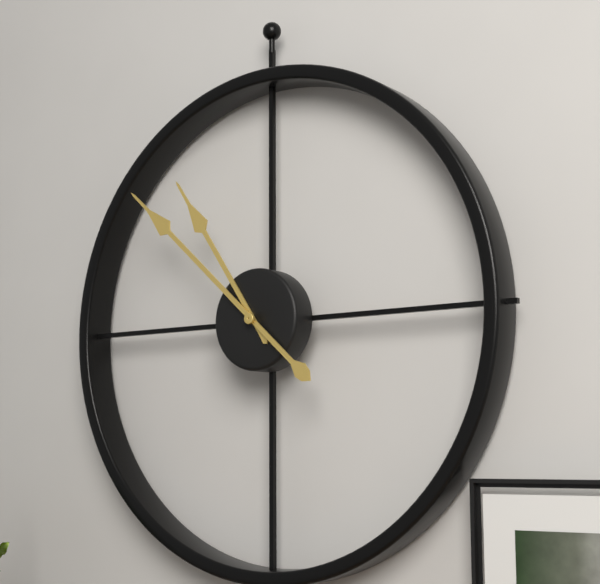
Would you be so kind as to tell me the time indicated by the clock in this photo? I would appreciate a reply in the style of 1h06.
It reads 10h52
